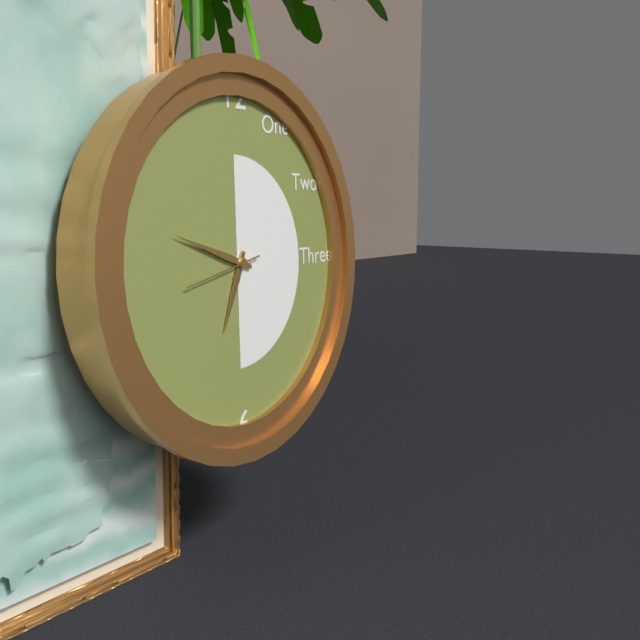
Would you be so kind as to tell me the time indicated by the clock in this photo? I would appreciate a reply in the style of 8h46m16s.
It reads 6h48m43s
